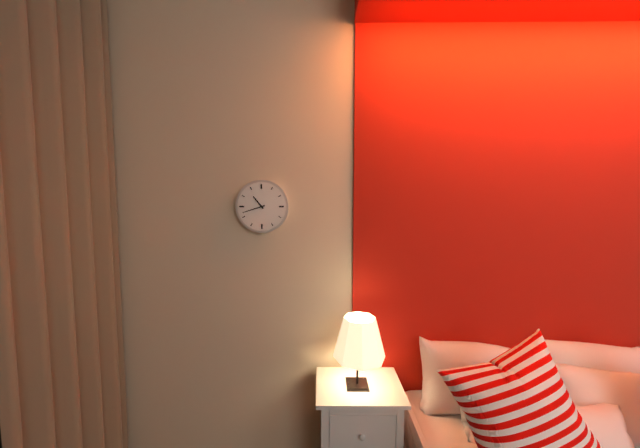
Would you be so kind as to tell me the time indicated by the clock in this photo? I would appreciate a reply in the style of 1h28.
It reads 10h42
